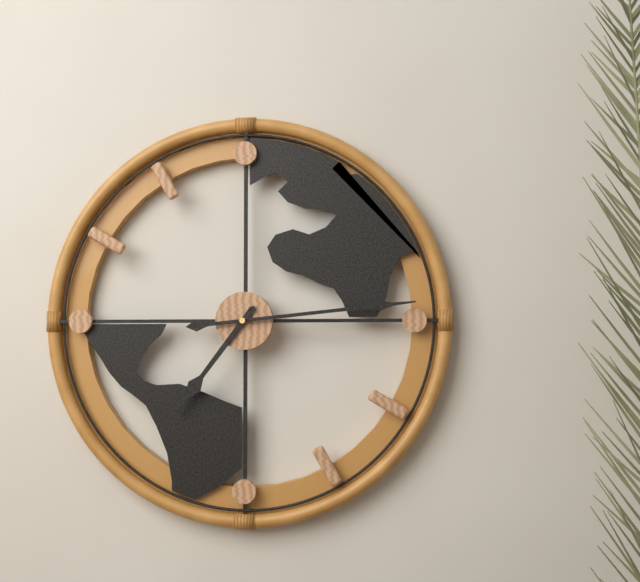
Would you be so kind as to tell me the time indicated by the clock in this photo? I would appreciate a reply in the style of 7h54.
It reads 7h14
